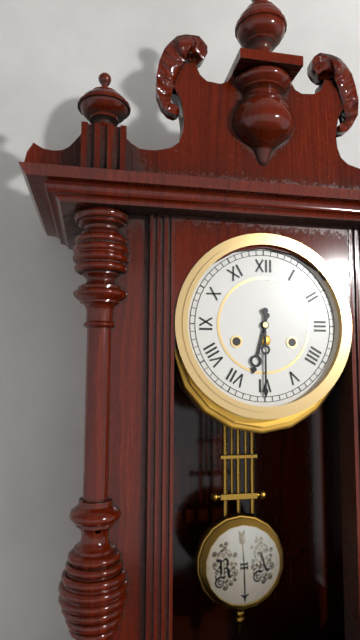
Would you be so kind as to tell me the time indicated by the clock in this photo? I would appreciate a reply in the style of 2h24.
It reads 6h30
